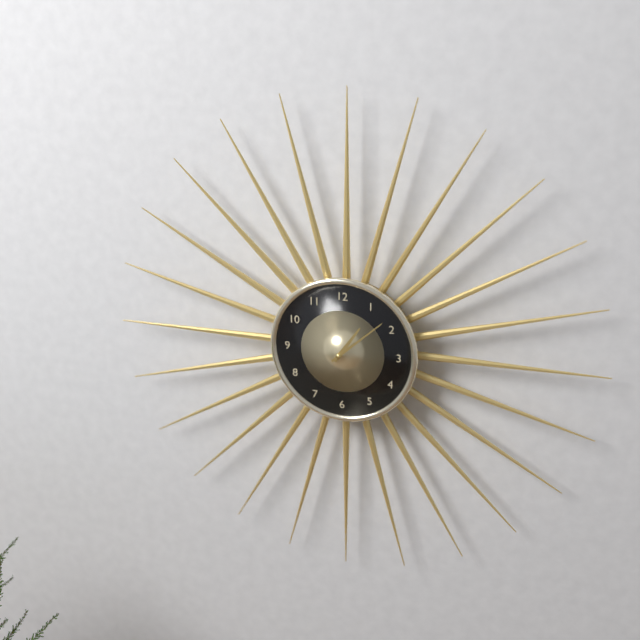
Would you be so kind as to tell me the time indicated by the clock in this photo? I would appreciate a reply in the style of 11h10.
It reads 1h08
